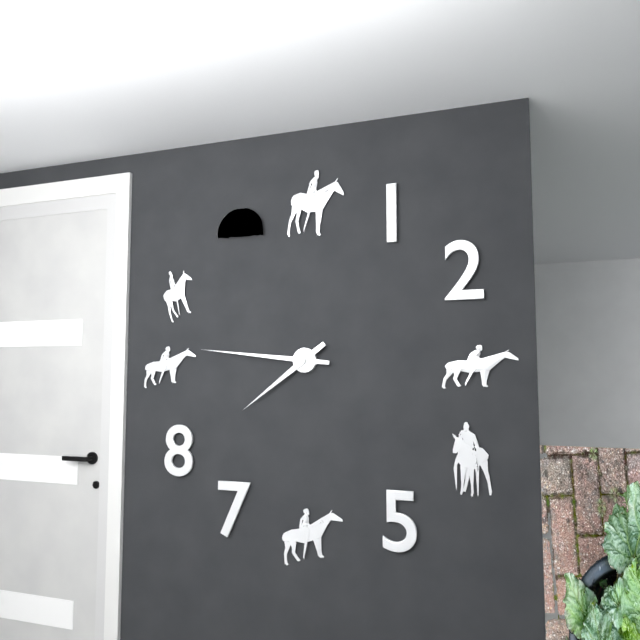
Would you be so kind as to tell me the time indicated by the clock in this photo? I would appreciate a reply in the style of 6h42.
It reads 7h46
